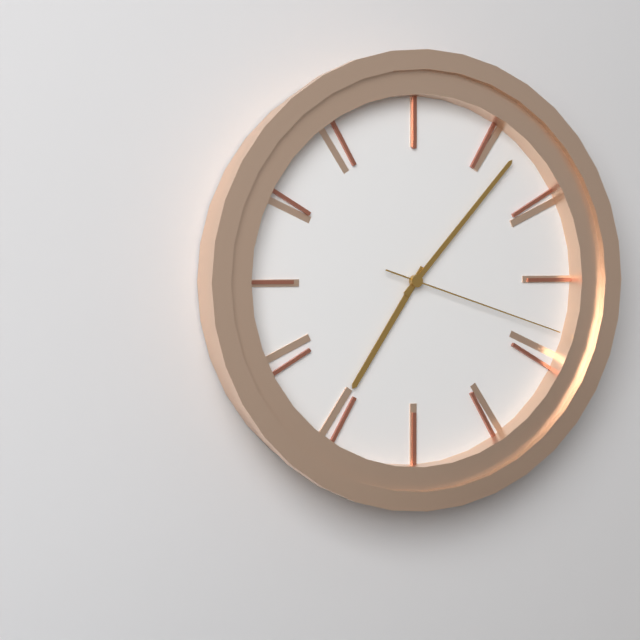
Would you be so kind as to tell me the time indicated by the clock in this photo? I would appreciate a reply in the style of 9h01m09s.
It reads 7h07m18s
